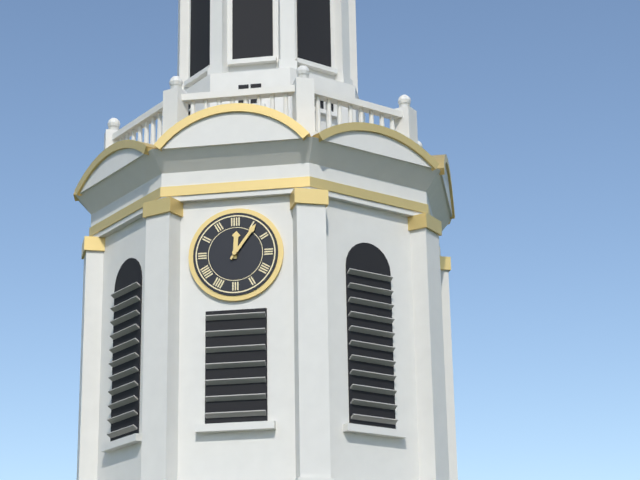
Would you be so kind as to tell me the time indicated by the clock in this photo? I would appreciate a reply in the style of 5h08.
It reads 12h06
